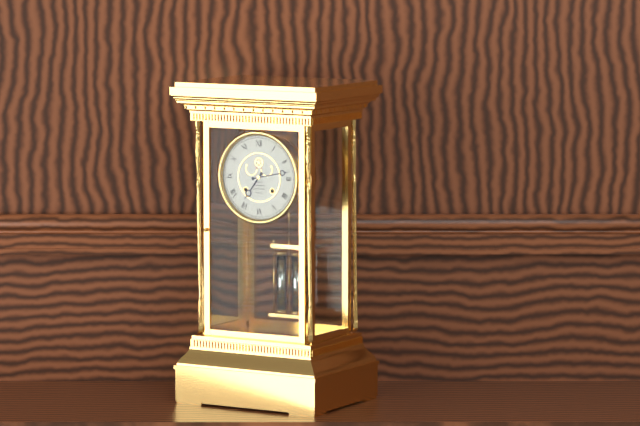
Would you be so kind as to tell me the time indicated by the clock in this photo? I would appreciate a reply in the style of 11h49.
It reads 7h13
